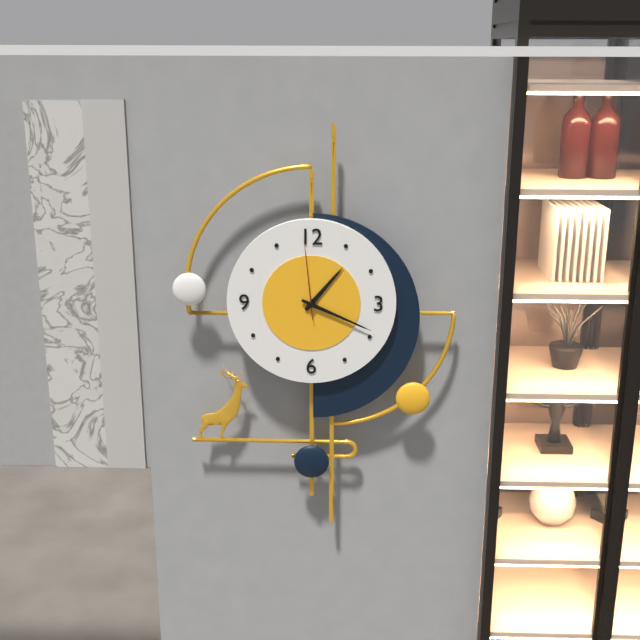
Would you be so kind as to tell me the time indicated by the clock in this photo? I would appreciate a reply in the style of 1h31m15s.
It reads 1h19m59s
